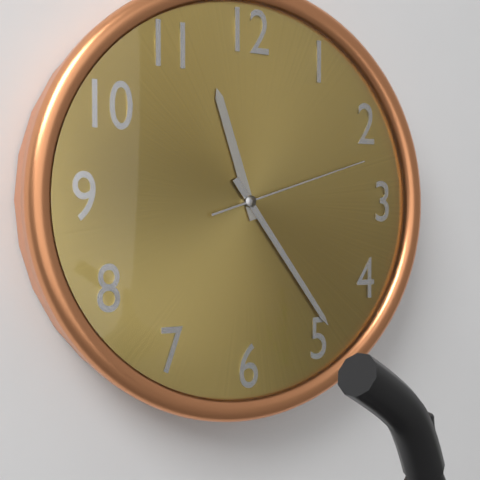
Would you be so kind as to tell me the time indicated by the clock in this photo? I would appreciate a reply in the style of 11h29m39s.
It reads 11h24m12s
